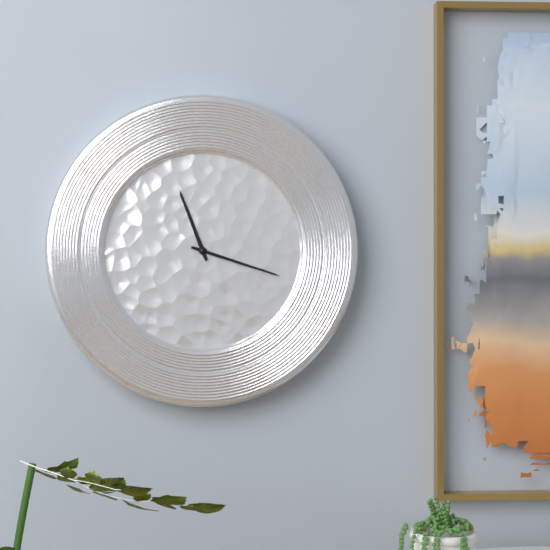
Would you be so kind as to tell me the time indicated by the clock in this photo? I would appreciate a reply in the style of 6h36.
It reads 11h18
